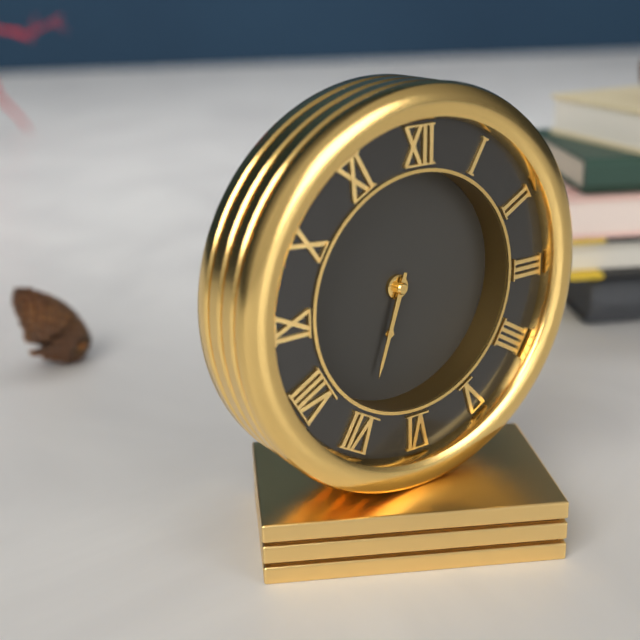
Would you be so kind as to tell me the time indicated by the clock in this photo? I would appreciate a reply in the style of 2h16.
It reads 6h33
